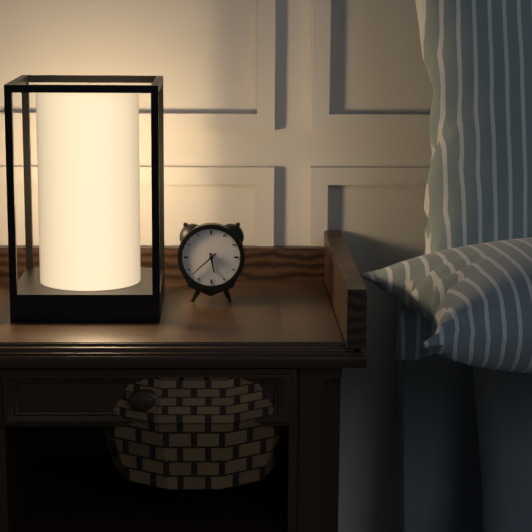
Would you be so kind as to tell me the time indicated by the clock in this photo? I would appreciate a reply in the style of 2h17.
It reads 5h38
